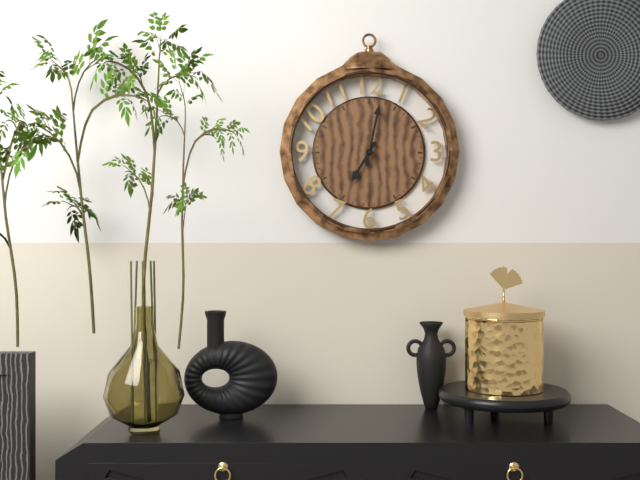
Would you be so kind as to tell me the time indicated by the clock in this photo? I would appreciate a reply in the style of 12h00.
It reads 7h02
